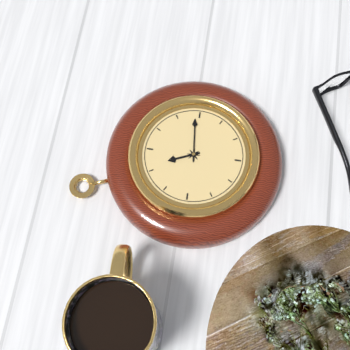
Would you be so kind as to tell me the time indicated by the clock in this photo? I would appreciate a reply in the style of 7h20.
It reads 11h14
